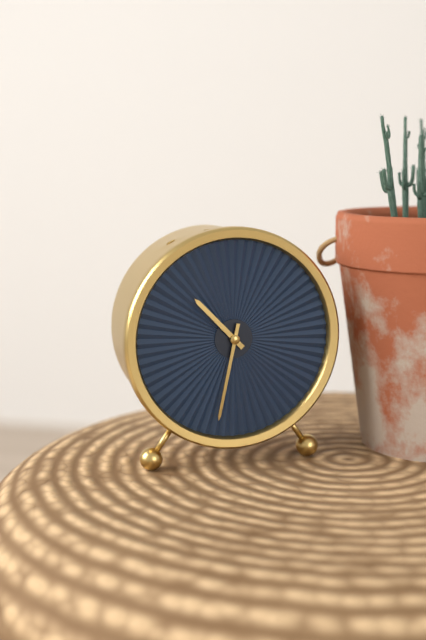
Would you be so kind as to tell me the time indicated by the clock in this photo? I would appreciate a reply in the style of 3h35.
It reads 10h32
